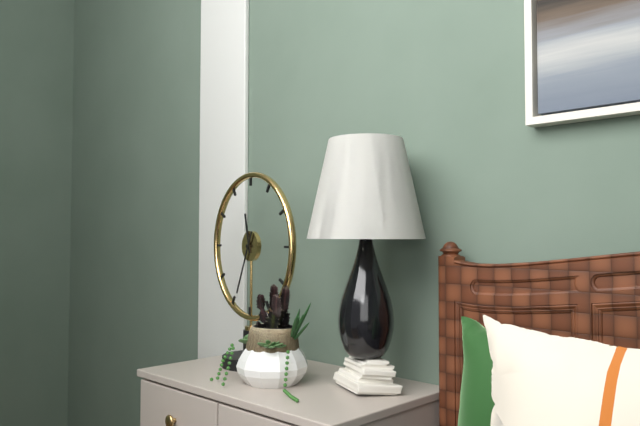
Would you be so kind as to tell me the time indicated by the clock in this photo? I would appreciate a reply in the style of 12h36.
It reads 11h34
